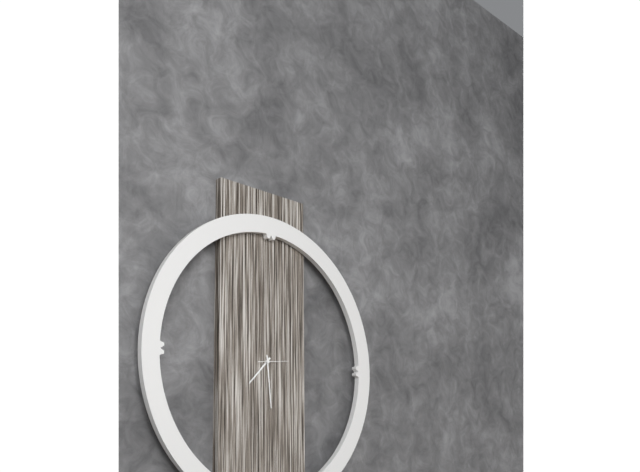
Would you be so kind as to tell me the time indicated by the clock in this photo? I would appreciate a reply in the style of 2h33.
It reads 7h29
